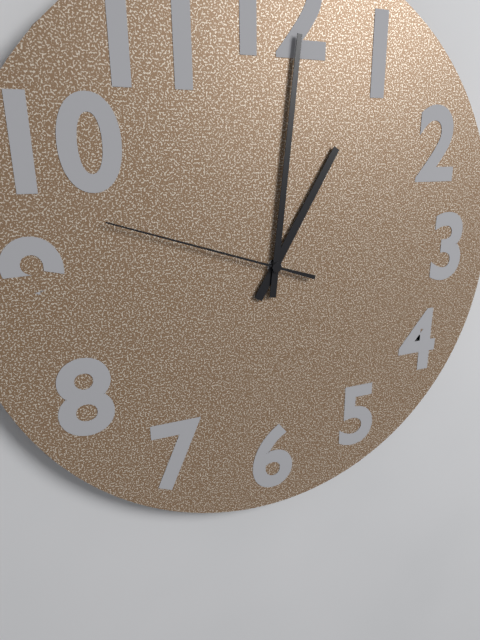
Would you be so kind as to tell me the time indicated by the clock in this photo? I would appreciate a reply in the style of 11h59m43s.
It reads 1h01m48s
